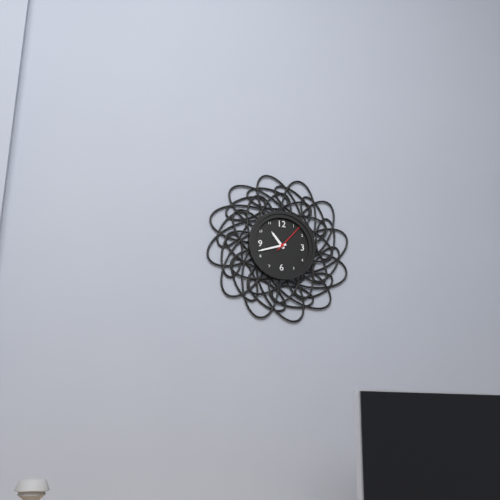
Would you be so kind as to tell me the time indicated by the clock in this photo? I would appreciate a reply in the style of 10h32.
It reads 10h42
